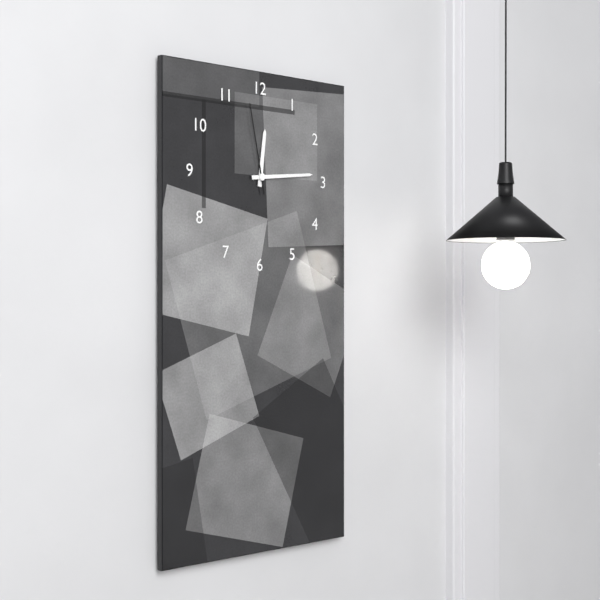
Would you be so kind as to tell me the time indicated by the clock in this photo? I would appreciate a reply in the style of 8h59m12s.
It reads 12h14m58s
